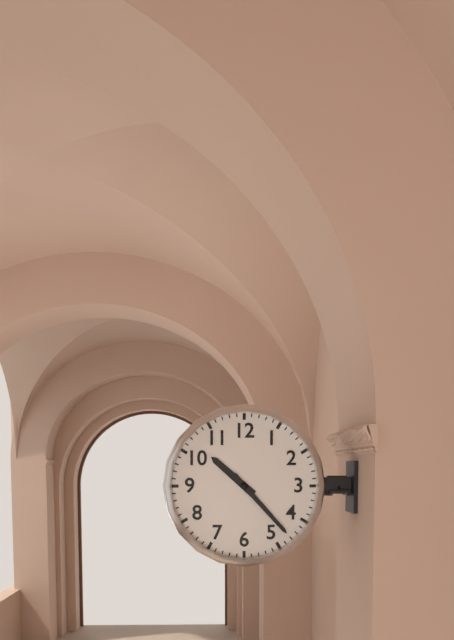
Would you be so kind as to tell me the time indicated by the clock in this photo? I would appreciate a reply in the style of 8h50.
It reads 10h23
